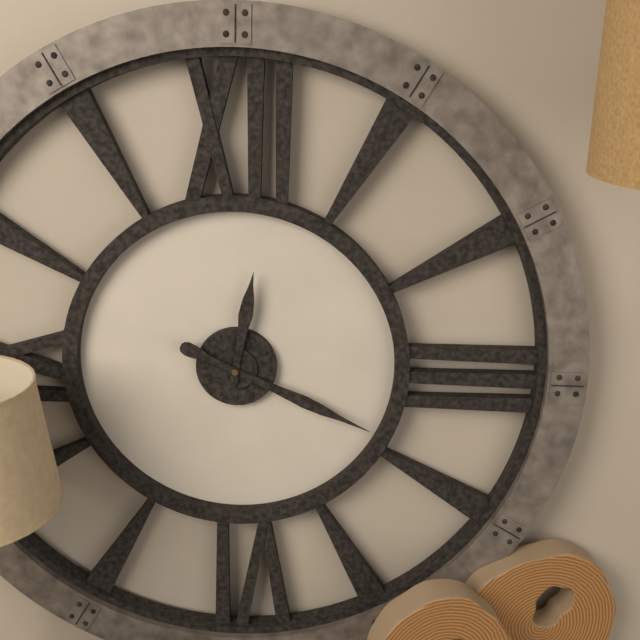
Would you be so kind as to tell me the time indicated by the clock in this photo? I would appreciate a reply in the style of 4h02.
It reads 12h19
